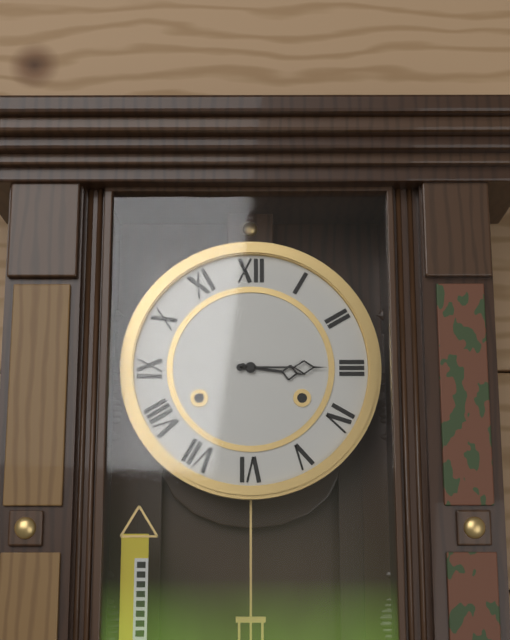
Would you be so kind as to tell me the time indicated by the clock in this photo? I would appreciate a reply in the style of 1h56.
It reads 3h15
